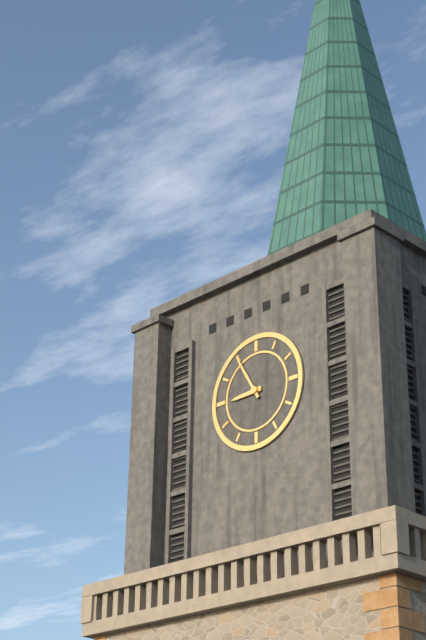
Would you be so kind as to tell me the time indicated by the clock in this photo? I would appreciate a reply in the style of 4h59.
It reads 8h55
